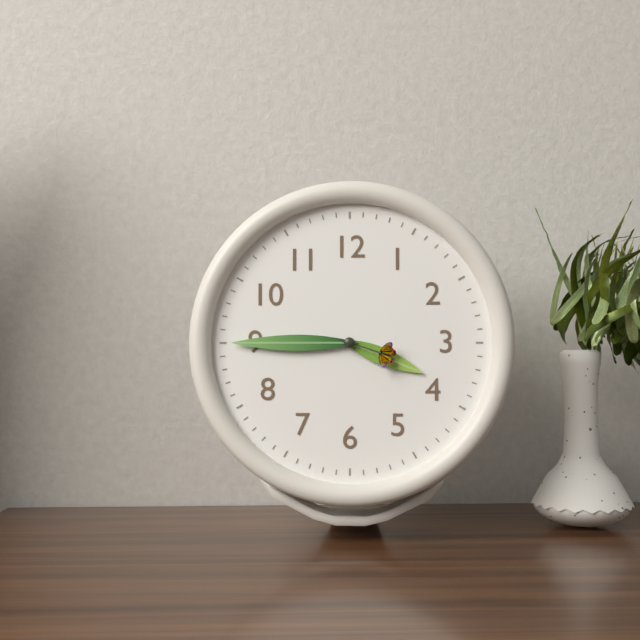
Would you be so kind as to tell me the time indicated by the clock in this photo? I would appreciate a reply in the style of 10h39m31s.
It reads 3h45m18s
